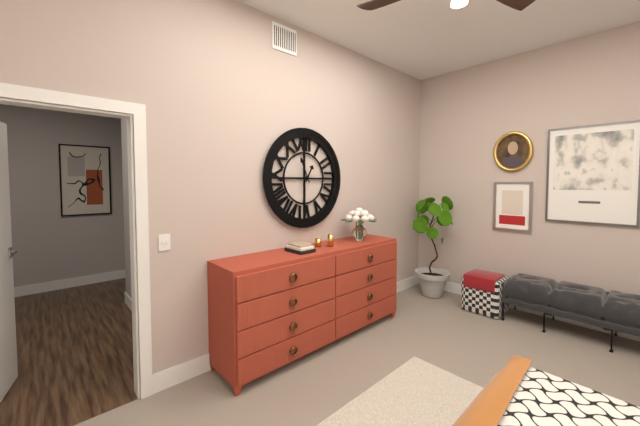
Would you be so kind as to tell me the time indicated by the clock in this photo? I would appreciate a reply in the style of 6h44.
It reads 12h56
